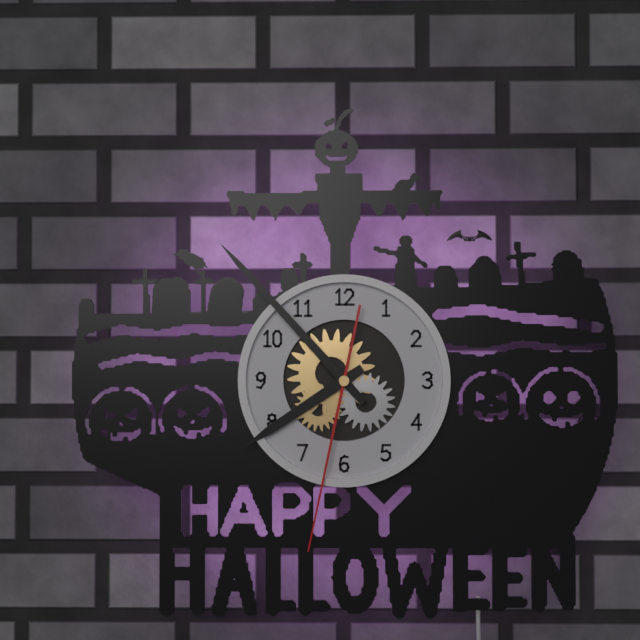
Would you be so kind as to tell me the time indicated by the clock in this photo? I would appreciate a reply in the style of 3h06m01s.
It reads 7h53m32s
